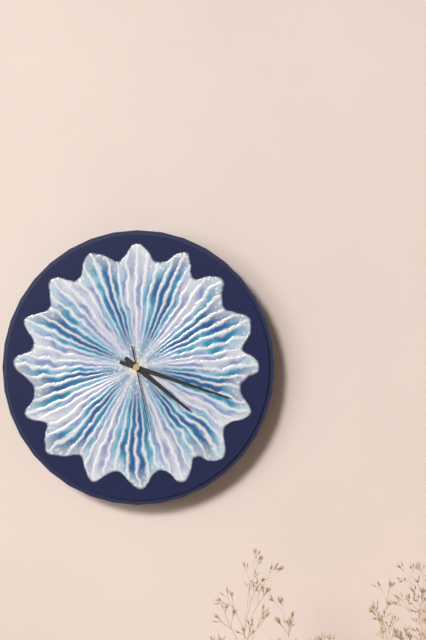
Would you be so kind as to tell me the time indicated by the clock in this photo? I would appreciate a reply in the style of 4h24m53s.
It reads 4h18m28s
